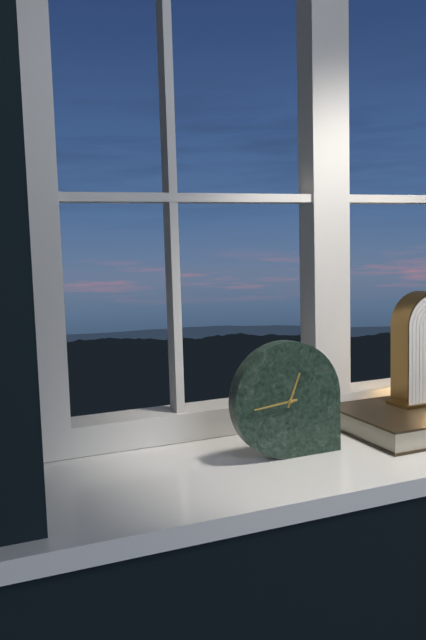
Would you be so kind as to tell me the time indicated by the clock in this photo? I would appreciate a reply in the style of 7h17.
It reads 12h44
